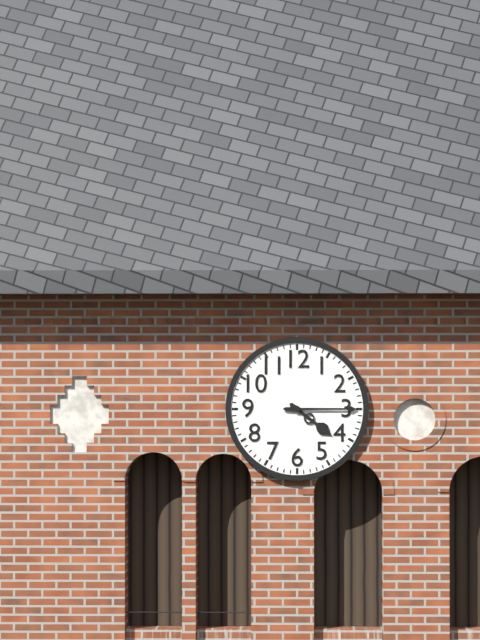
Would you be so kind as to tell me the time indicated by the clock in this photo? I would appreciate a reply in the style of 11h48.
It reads 4h15
